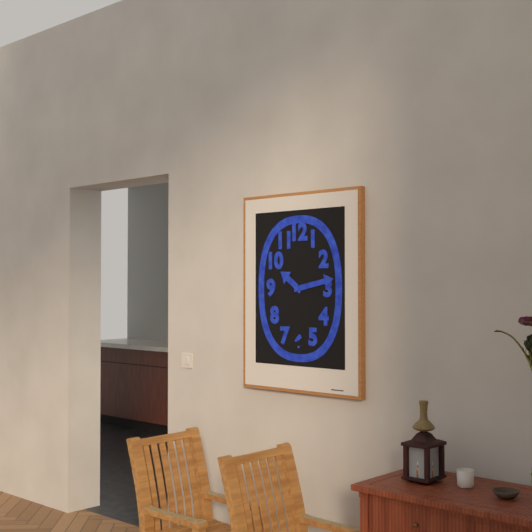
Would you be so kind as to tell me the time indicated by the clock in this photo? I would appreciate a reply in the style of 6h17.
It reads 10h13
